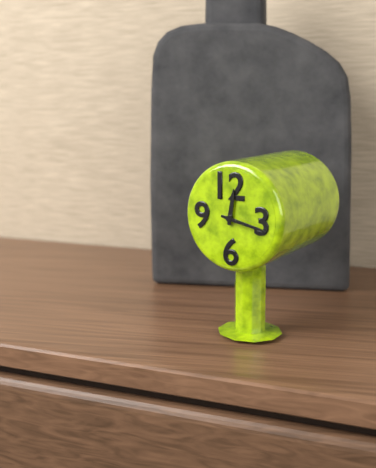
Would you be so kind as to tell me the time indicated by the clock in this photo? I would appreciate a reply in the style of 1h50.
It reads 12h17
